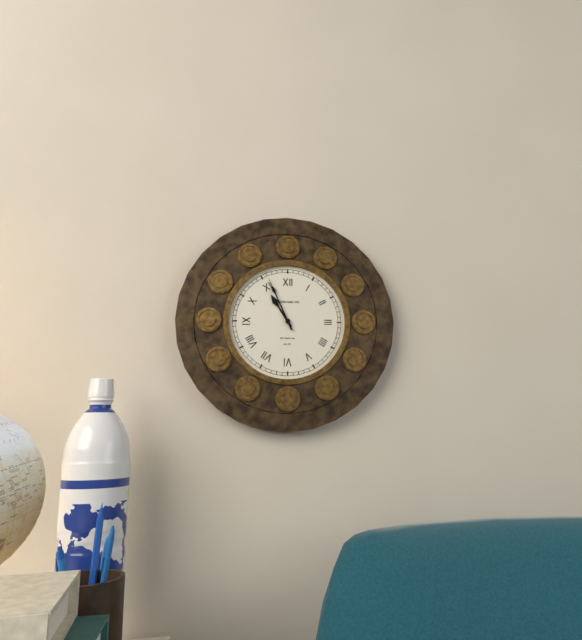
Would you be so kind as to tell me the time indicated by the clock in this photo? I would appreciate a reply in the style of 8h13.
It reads 10h56
